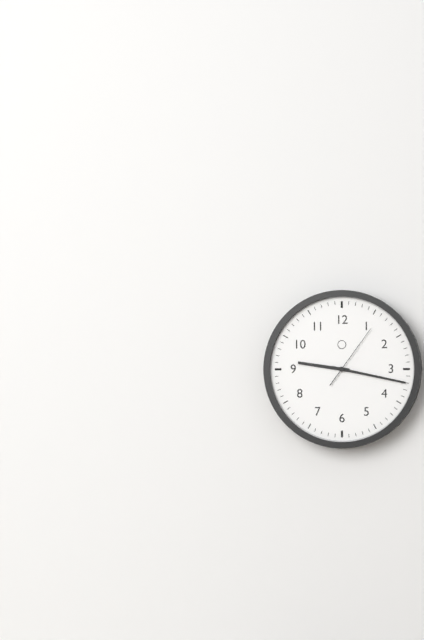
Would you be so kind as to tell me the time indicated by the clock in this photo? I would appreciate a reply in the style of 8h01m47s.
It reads 9h17m06s
